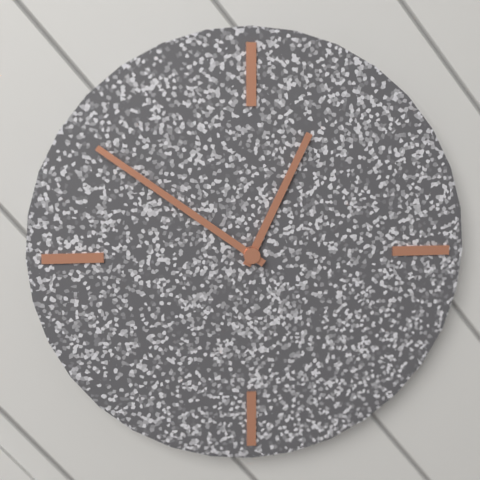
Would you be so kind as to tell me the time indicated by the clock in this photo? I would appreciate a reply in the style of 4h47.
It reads 12h51
